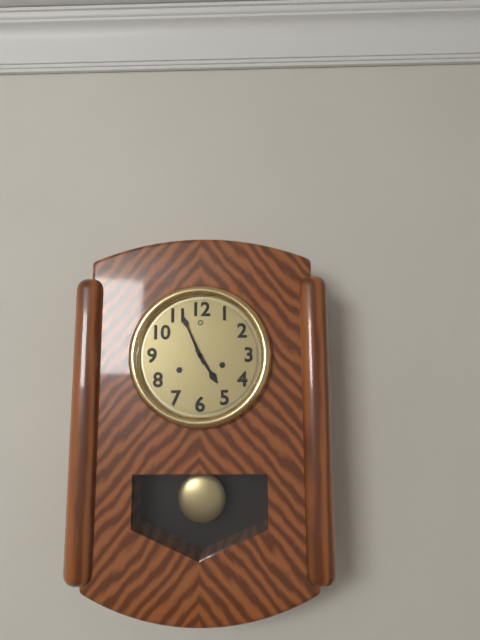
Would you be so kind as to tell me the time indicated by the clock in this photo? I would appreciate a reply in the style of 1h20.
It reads 4h56
